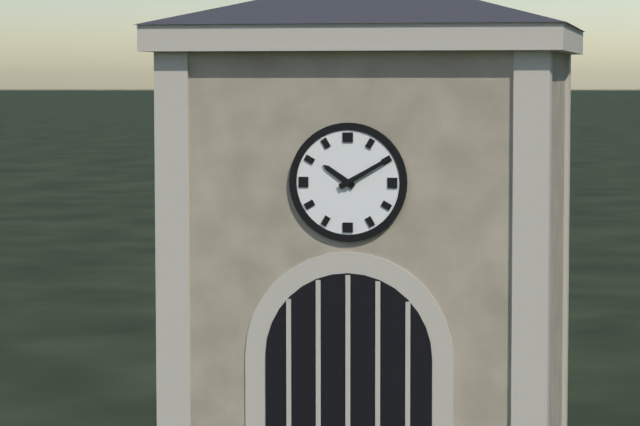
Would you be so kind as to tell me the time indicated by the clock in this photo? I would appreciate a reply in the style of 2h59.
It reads 10h10
